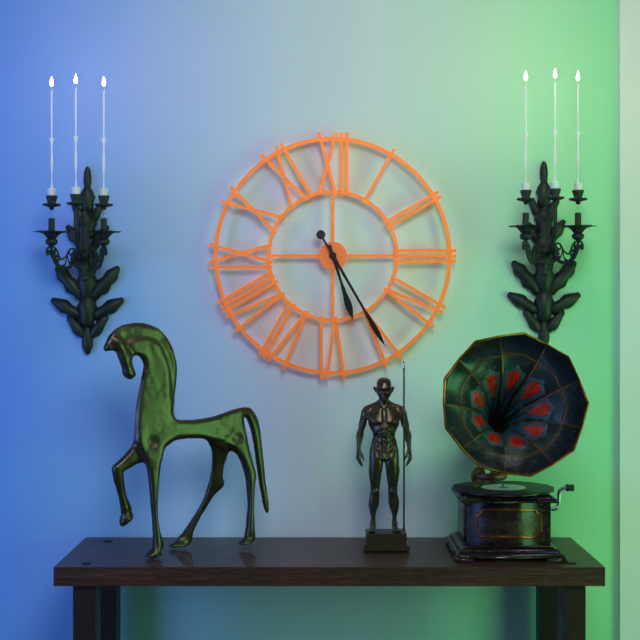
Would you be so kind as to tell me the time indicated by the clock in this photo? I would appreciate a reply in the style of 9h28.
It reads 5h25
